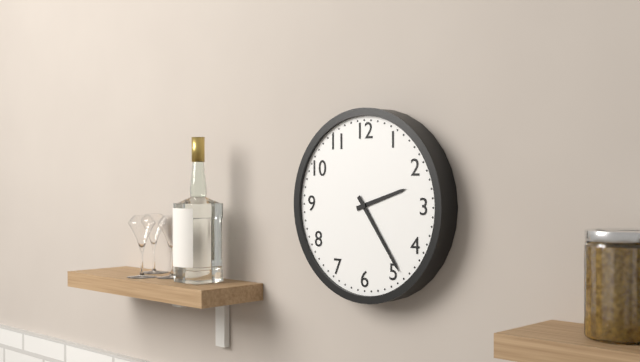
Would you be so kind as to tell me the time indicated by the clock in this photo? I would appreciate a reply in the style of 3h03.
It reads 2h24
